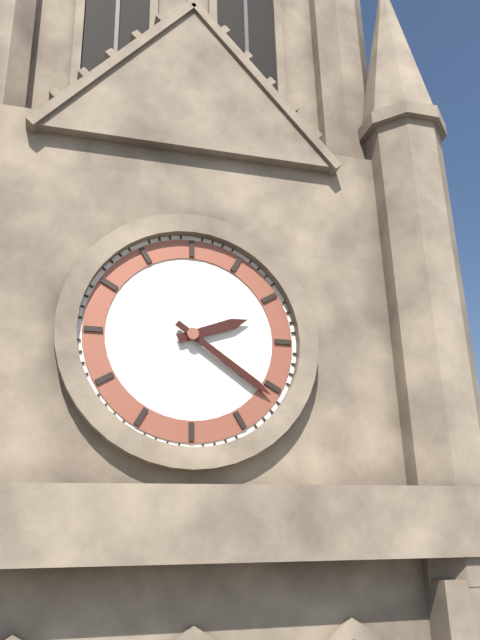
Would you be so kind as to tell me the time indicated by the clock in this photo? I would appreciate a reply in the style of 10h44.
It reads 2h21
